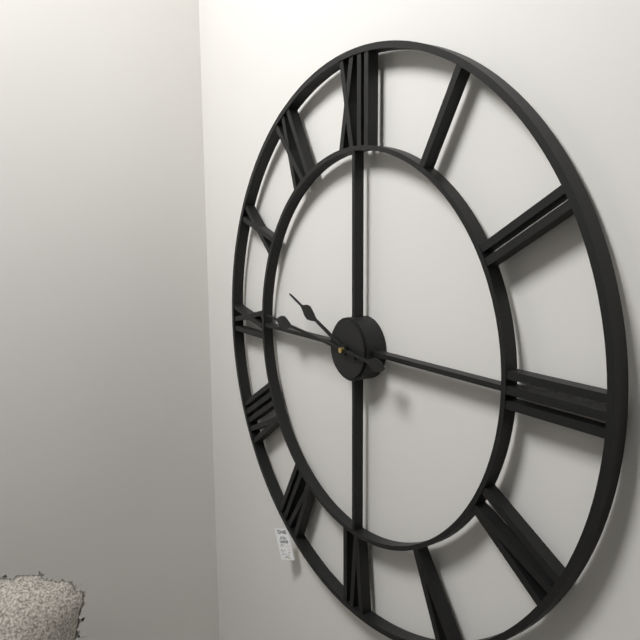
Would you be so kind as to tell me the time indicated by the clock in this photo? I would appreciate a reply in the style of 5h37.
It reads 9h46
